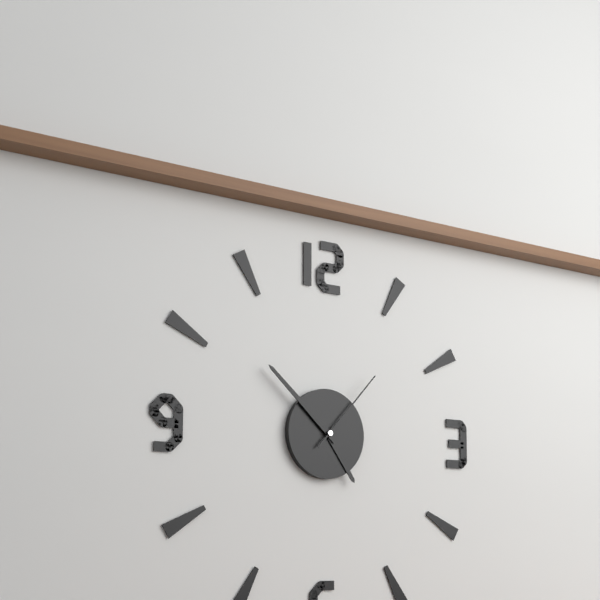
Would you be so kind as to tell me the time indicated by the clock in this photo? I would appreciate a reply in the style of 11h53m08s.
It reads 4h52m07s
